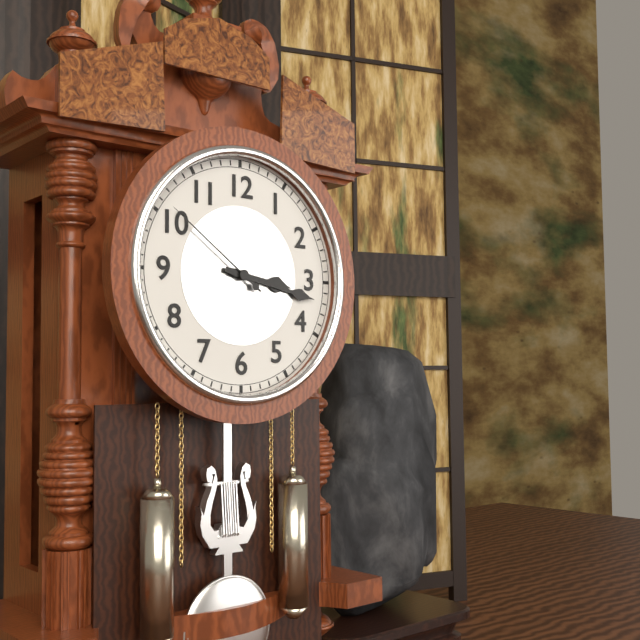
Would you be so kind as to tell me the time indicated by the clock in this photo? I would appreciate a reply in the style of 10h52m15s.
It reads 3h17m51s
